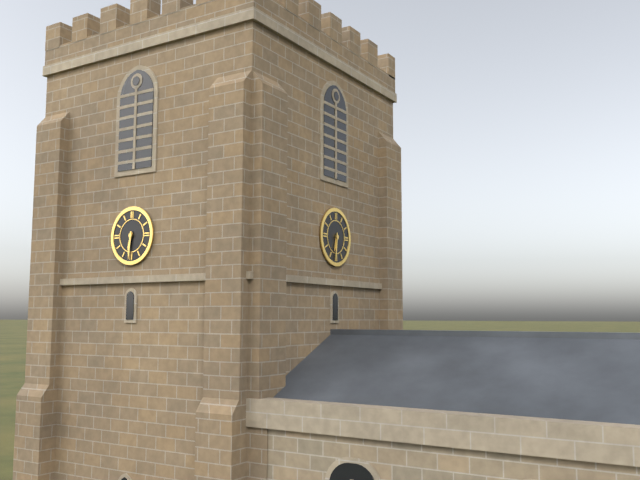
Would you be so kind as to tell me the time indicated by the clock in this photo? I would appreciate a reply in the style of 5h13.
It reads 6h31
